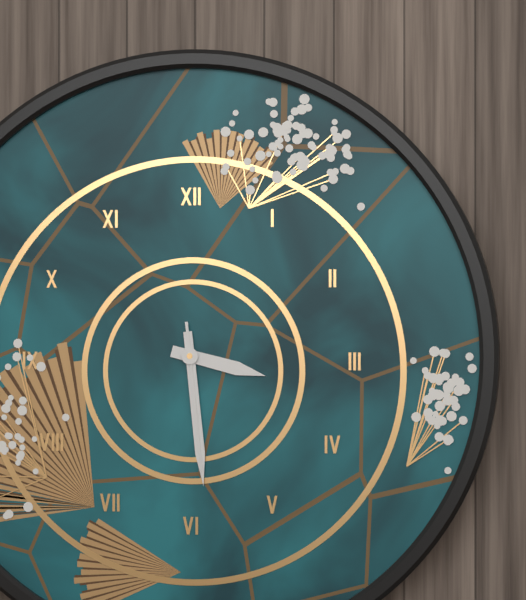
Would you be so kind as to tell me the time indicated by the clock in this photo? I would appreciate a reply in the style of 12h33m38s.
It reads 3h29m29s
